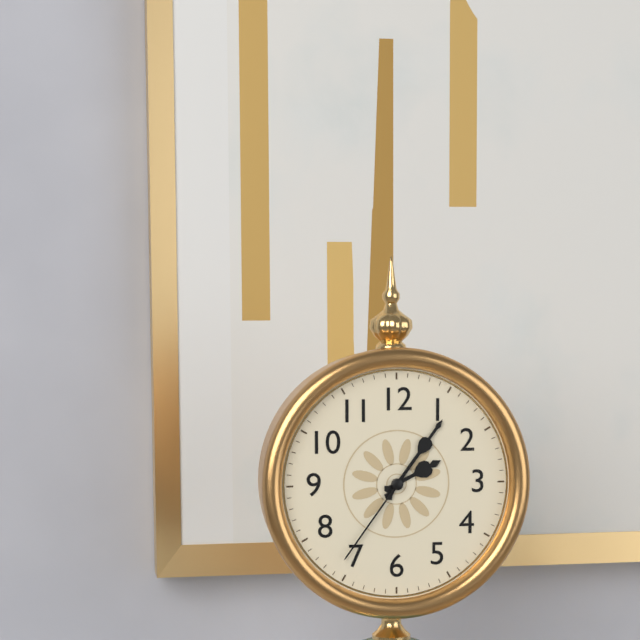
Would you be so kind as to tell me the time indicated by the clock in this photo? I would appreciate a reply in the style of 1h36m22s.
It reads 2h06m36s
